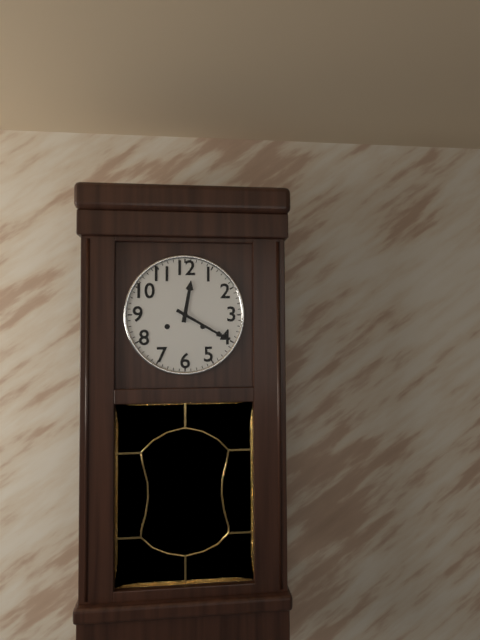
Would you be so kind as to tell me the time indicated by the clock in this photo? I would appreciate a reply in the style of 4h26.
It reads 12h20
